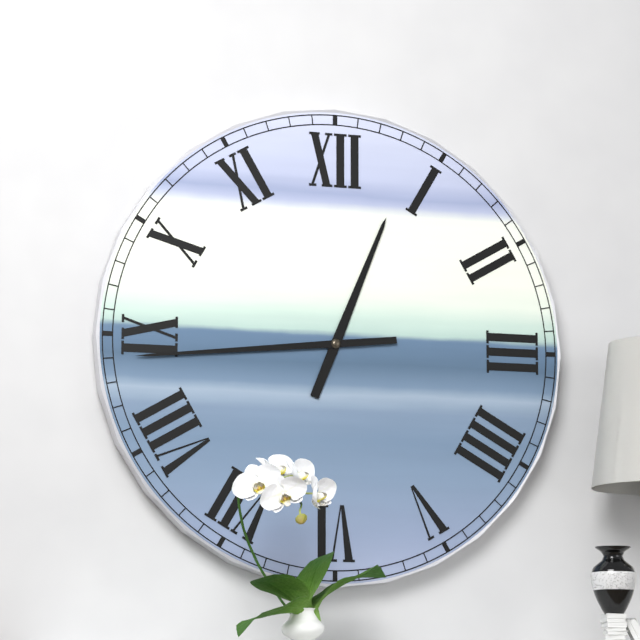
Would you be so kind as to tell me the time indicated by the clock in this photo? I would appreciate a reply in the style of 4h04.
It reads 12h44
